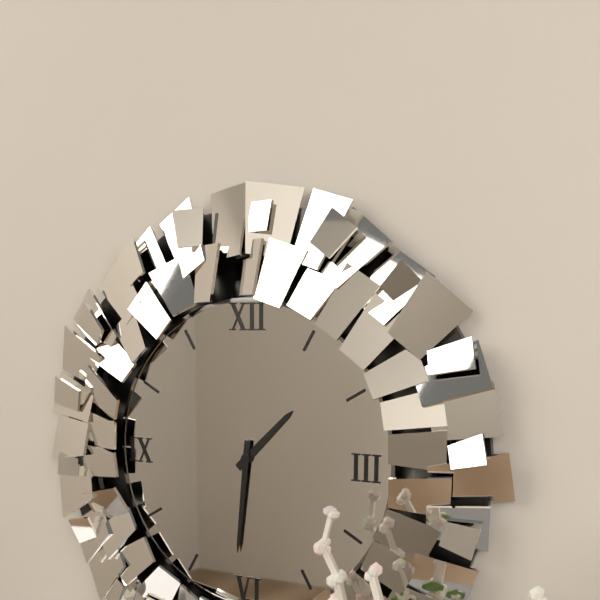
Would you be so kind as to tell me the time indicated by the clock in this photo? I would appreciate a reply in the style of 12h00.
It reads 1h31
